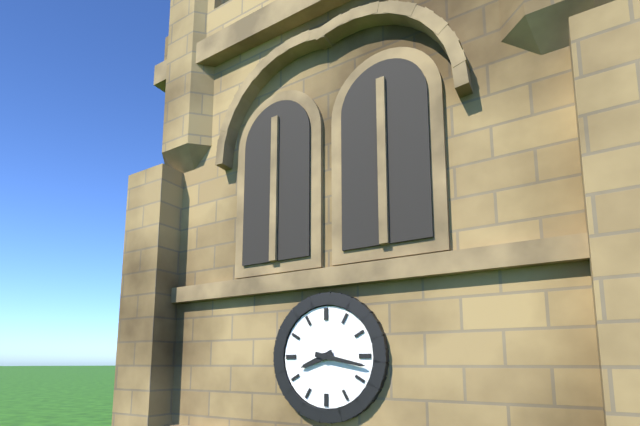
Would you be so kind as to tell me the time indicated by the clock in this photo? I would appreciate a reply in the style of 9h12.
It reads 8h17
